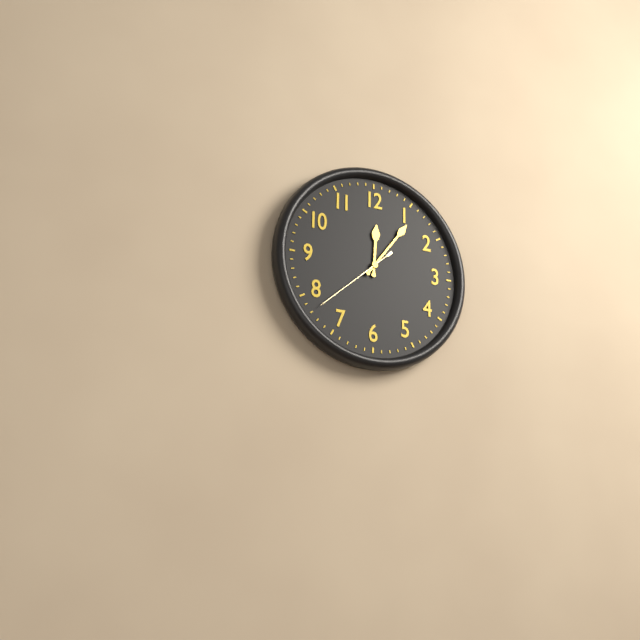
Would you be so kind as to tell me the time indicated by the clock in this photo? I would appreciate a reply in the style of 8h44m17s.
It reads 12h06m38s
